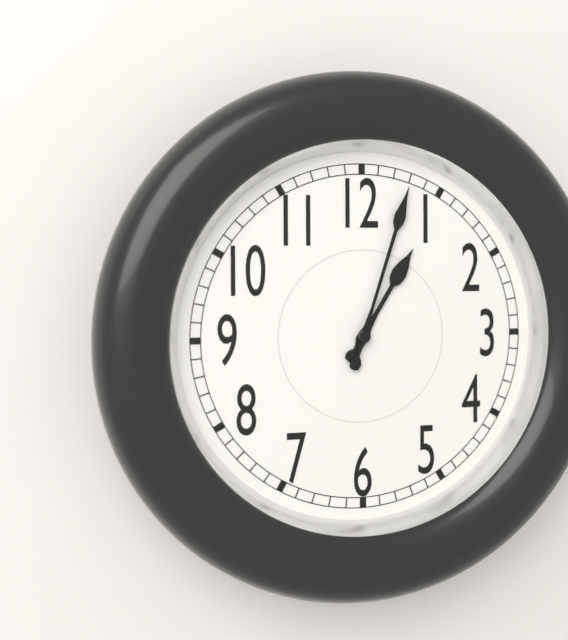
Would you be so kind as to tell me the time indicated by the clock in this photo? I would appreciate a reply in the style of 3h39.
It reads 1h03
